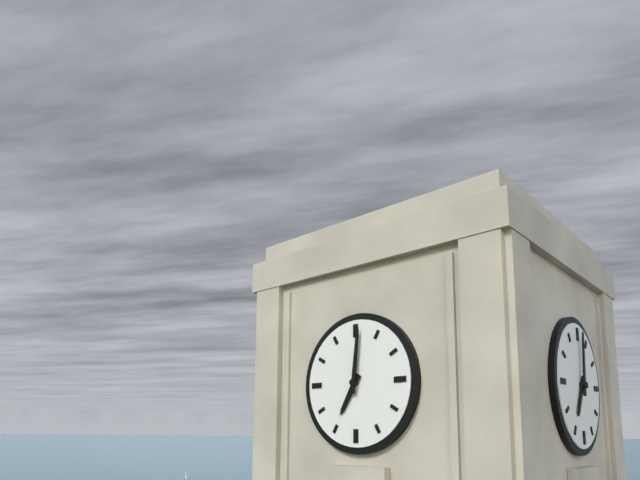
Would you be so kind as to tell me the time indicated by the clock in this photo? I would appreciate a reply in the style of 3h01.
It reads 7h01
